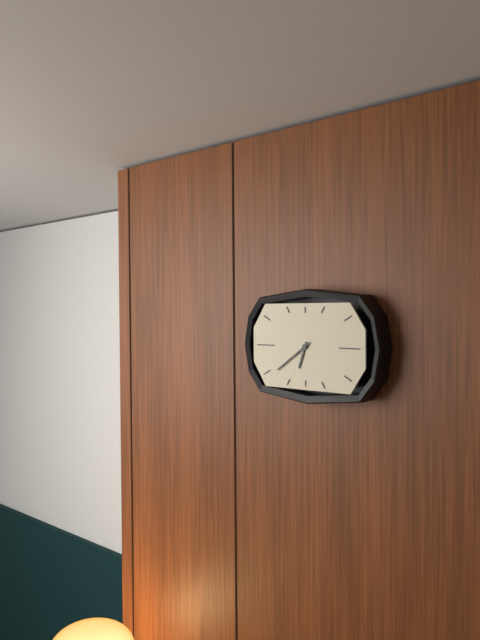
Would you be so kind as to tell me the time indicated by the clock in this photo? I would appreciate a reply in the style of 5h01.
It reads 6h39
